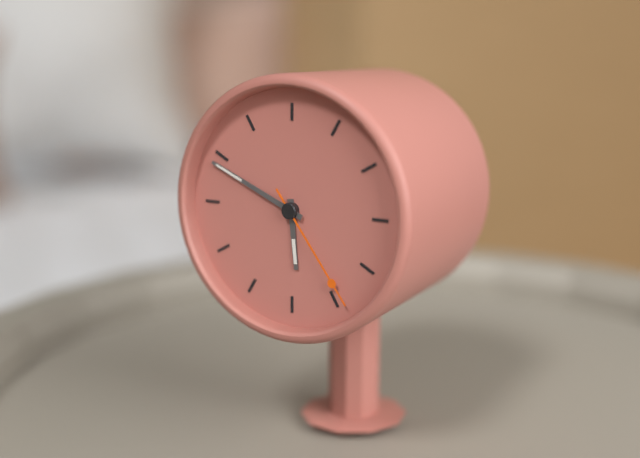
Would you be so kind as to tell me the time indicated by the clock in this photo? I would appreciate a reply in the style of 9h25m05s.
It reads 5h49m24s
